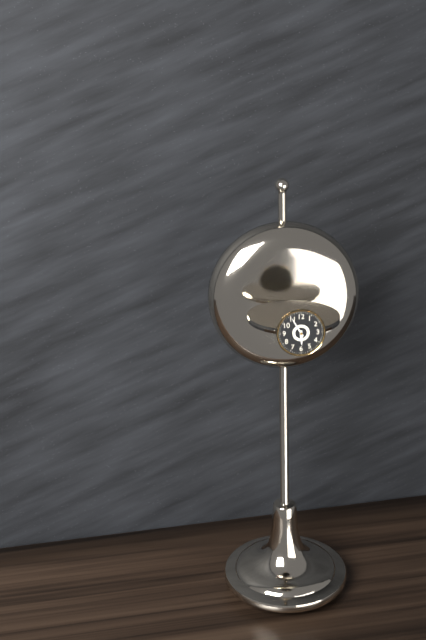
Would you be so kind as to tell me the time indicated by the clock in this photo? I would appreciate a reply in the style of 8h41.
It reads 5h55
